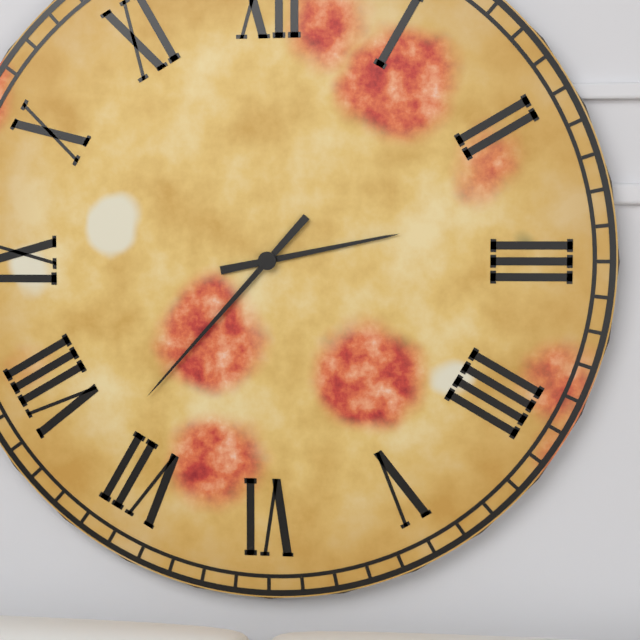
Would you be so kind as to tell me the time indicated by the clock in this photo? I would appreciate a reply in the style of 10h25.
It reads 2h37
